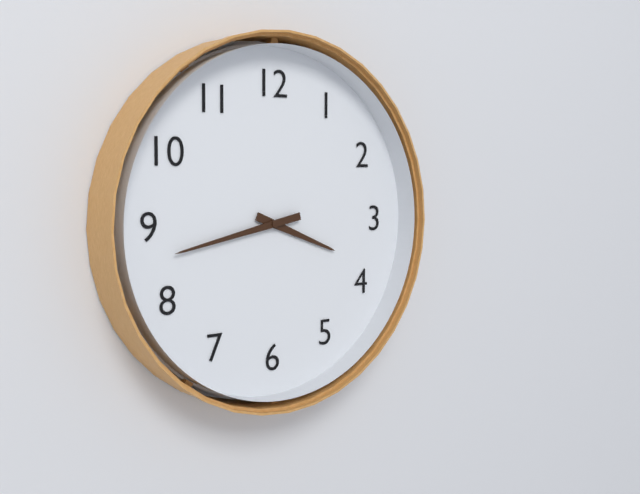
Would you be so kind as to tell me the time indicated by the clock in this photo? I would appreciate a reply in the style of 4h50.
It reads 3h43
